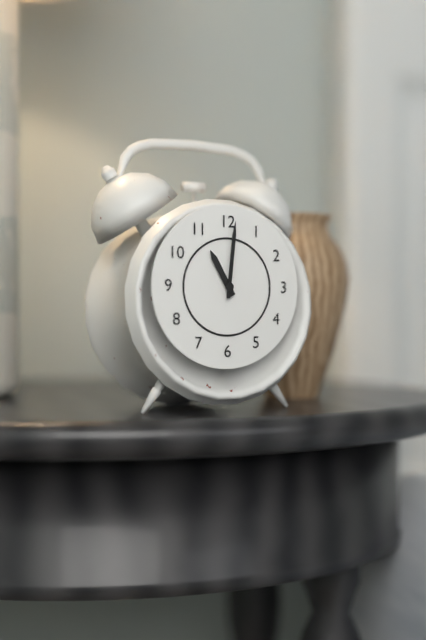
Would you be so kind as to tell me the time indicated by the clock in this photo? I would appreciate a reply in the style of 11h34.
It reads 11h01
